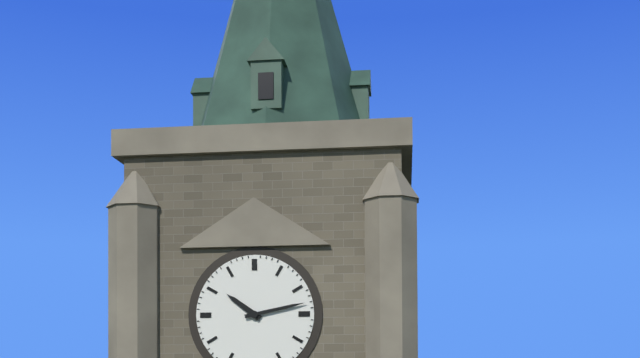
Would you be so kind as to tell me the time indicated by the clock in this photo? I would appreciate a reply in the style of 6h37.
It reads 10h13
